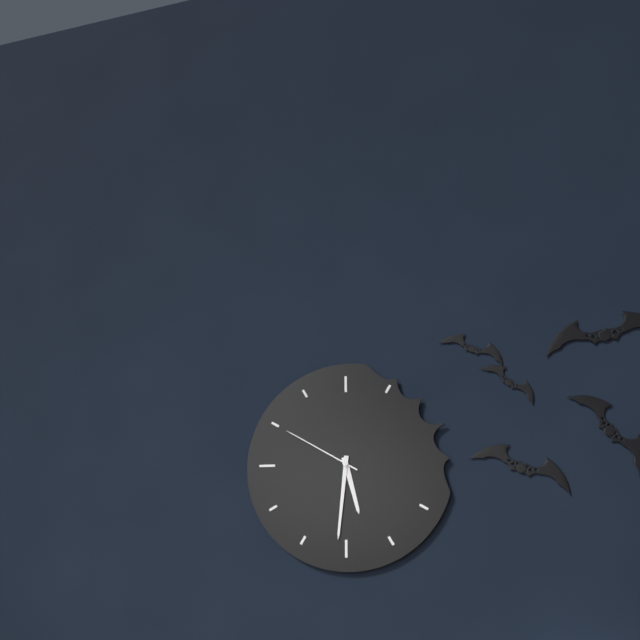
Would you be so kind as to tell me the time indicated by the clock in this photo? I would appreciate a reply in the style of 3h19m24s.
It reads 5h31m50s
